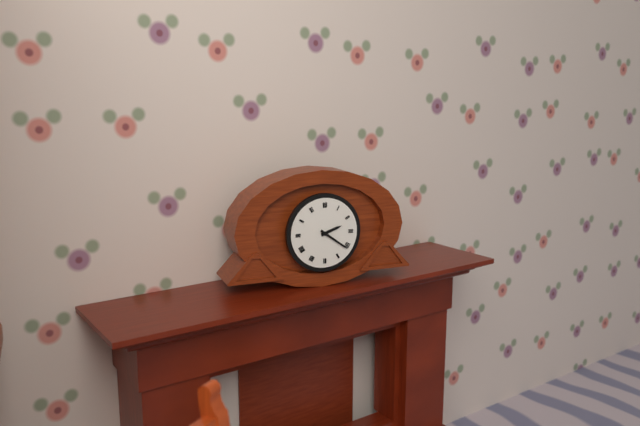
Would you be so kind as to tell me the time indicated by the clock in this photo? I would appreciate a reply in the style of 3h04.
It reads 2h21
